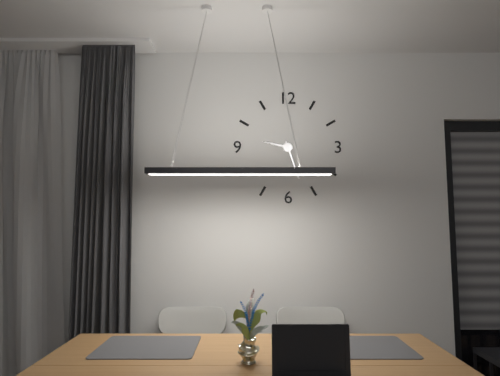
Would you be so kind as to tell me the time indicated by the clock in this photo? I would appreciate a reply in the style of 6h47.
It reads 9h27
